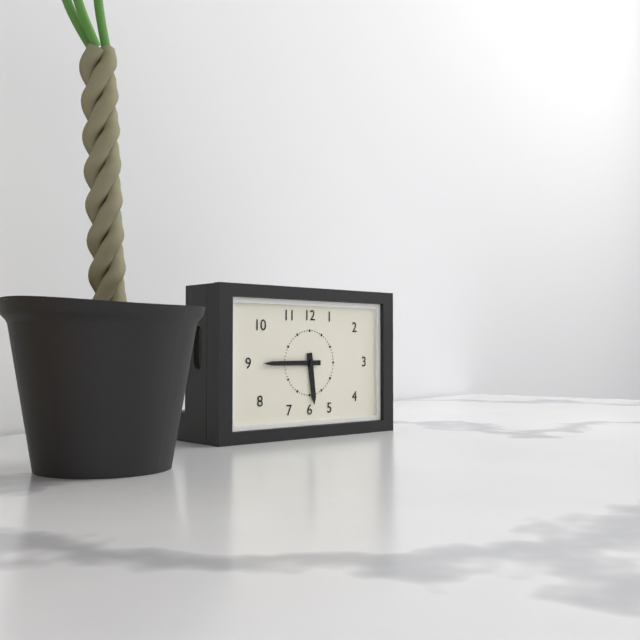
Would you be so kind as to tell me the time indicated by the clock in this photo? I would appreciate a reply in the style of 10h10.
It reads 5h45
